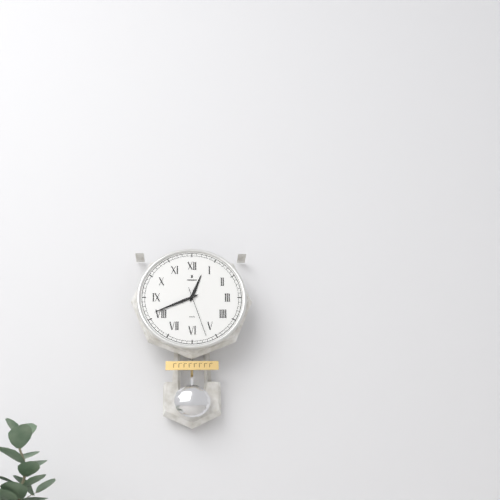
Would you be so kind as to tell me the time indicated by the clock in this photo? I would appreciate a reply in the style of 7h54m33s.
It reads 12h41m27s
